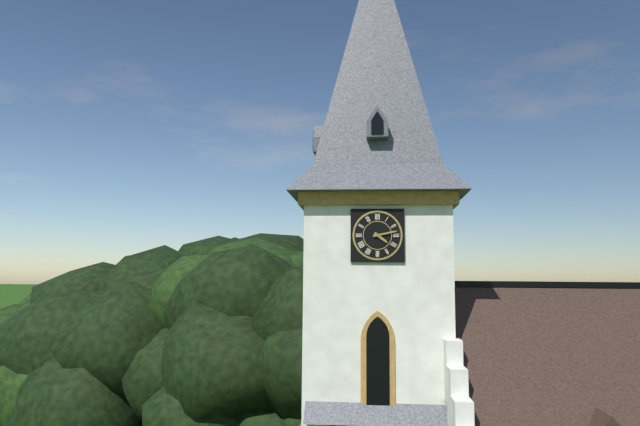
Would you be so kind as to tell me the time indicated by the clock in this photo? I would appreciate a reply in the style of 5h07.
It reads 4h13
